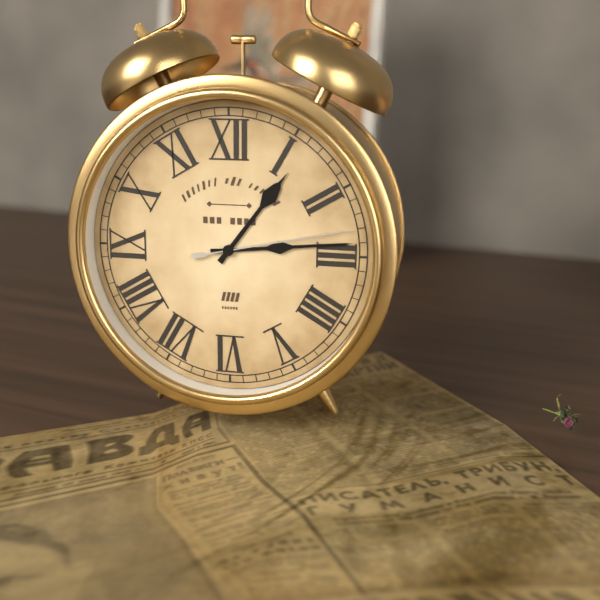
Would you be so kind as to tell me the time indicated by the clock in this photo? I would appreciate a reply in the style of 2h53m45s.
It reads 1h14m13s
